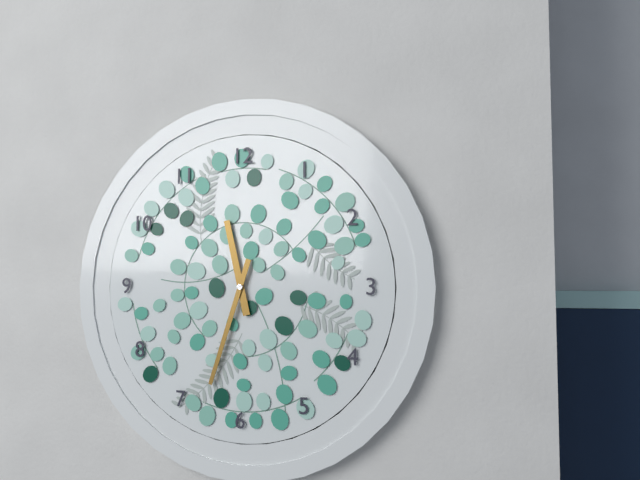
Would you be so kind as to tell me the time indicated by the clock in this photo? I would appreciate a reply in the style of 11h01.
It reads 11h33
